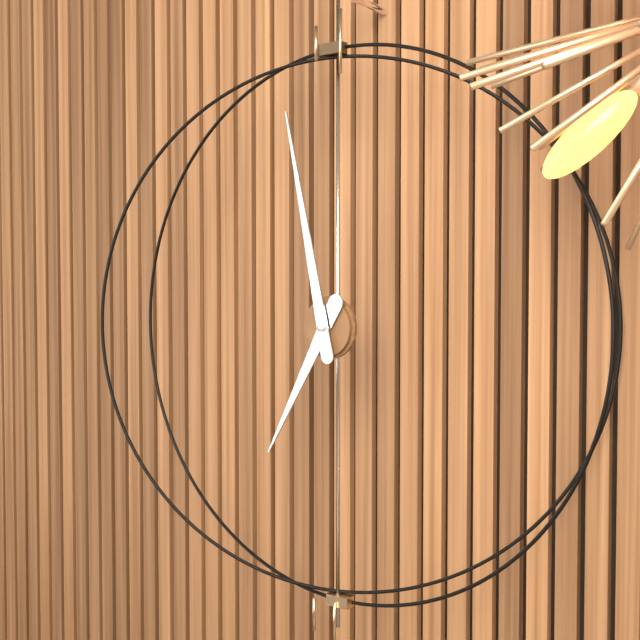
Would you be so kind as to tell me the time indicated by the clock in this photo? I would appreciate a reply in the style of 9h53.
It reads 6h58
